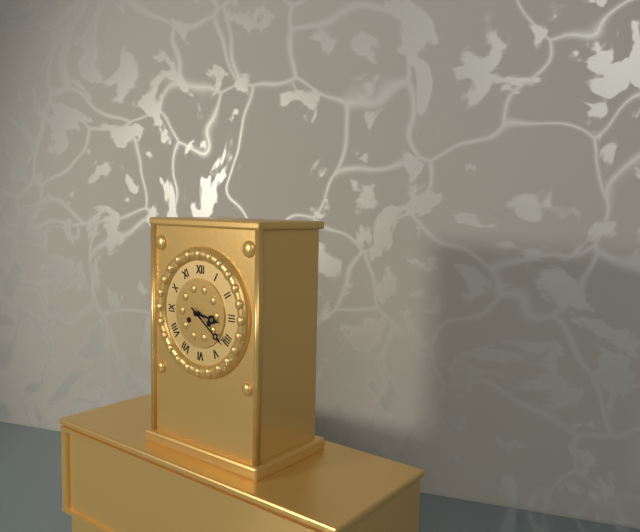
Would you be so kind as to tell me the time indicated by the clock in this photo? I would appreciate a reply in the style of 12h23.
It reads 3h21
